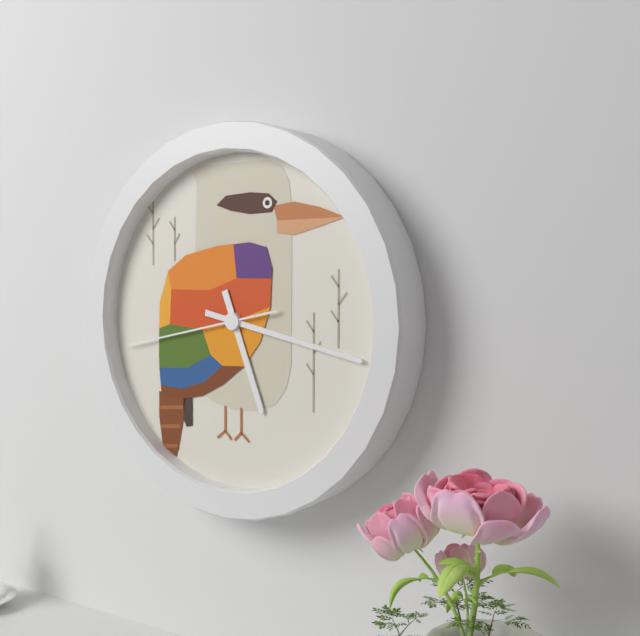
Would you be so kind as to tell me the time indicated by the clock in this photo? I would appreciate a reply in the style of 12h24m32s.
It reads 5h17m43s
